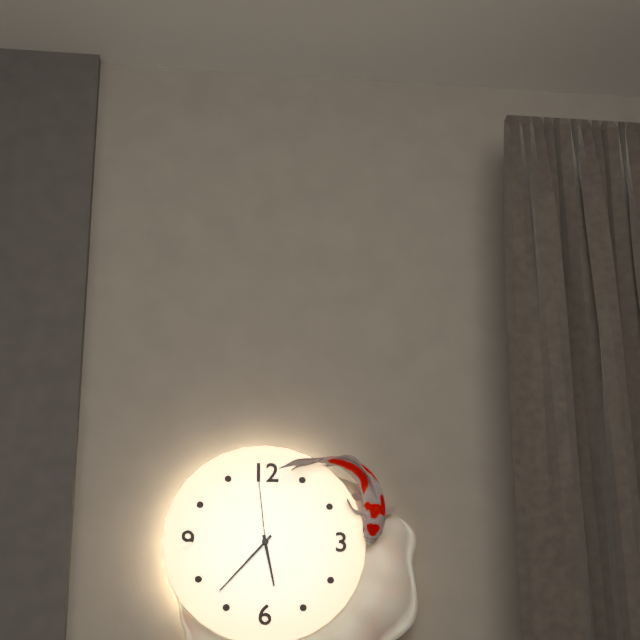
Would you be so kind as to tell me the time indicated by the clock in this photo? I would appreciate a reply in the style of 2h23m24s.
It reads 5h37m59s
